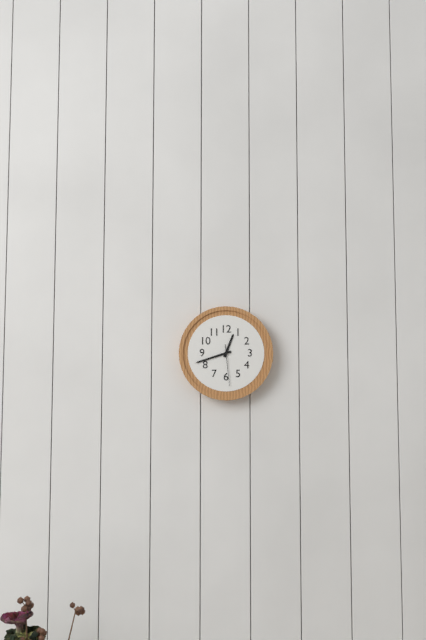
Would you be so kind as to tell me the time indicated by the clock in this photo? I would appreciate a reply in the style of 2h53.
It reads 12h42
